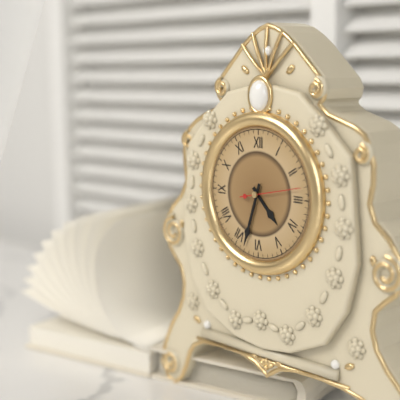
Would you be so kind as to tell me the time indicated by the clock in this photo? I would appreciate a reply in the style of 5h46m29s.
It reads 4h33m13s
